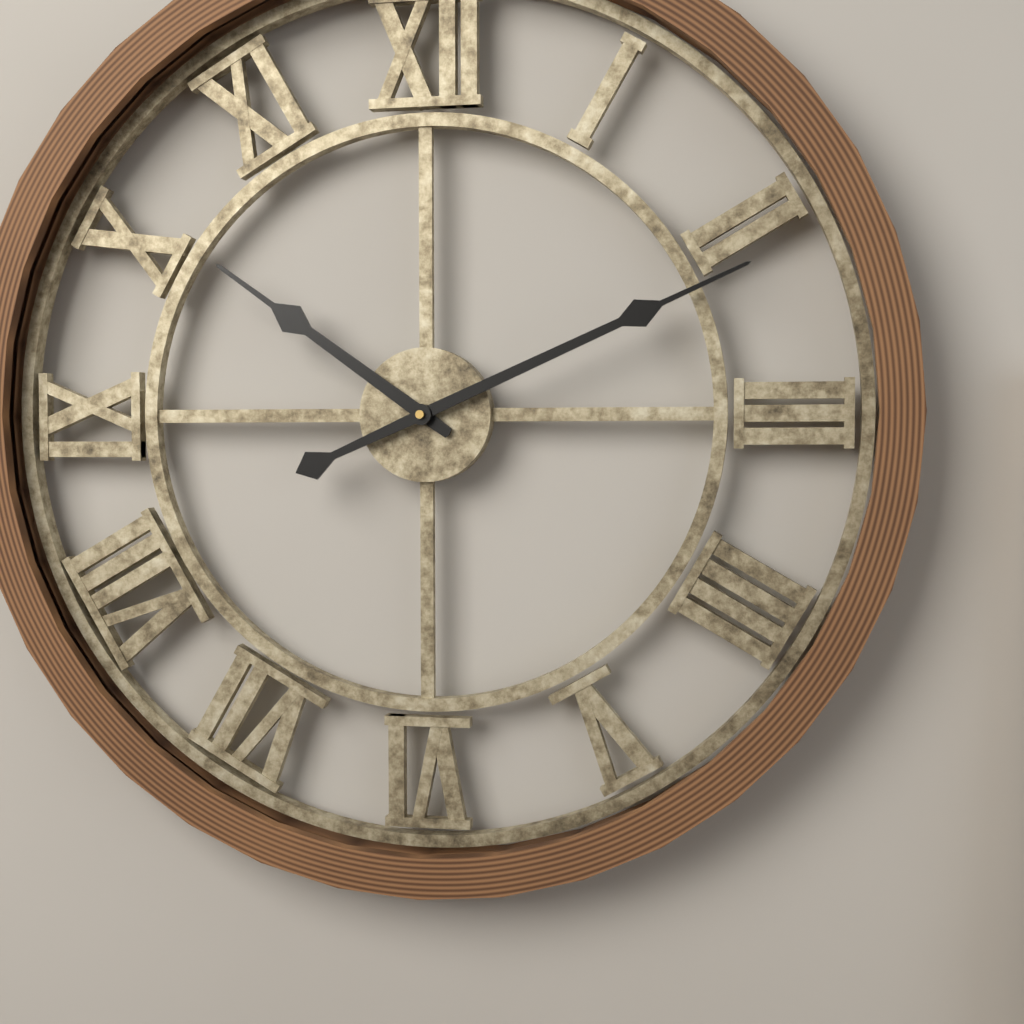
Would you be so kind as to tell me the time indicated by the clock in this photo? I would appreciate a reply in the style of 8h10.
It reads 10h11
